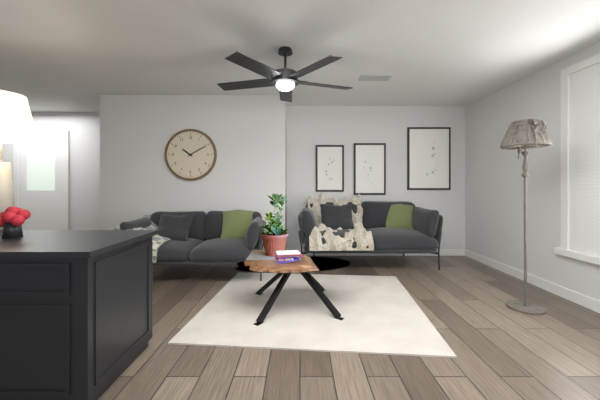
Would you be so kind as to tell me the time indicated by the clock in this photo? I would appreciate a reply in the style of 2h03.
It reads 10h10
